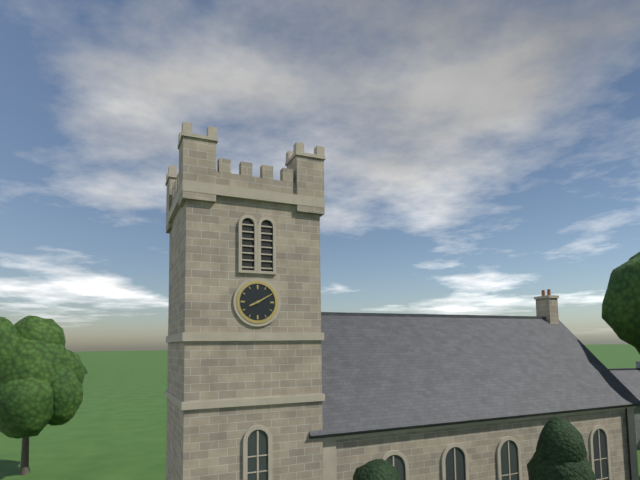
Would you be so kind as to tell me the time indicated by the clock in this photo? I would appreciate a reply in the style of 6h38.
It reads 8h10
